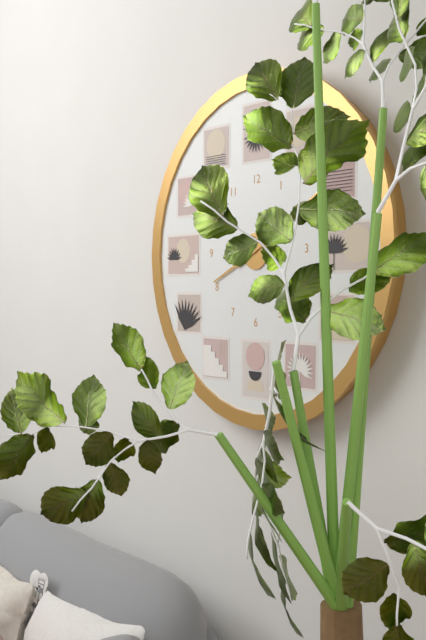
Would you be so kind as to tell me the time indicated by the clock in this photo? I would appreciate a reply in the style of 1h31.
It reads 8h10
